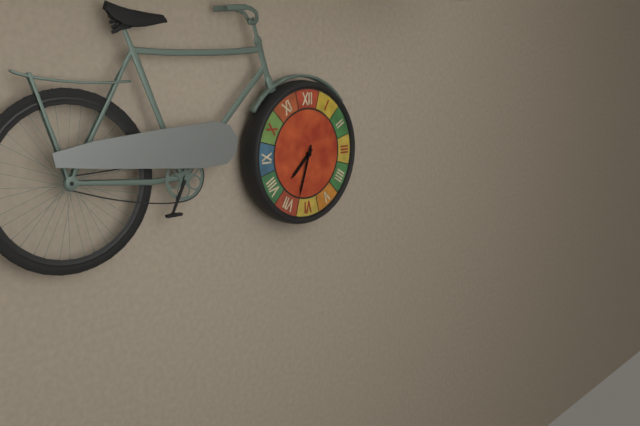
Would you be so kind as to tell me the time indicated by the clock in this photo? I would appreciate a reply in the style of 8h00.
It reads 7h33
